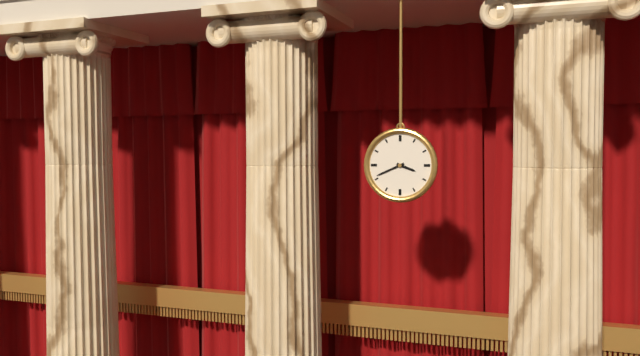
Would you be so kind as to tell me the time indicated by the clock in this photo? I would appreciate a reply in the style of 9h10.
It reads 3h41
